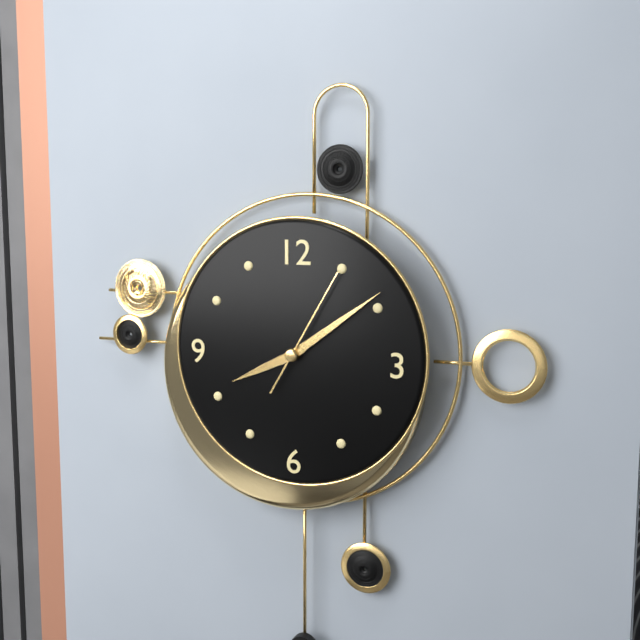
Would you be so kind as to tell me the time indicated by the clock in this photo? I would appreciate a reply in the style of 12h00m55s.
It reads 8h09m05s
